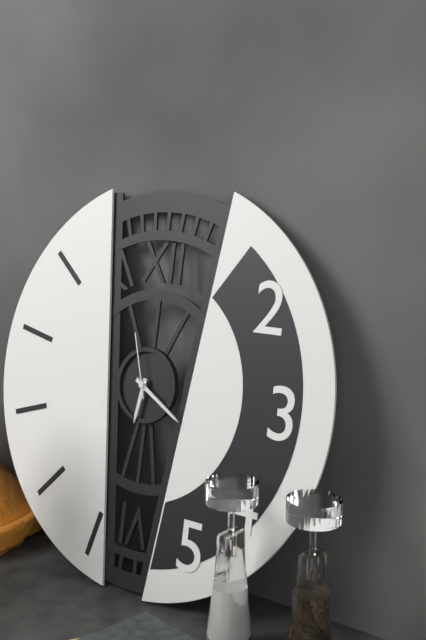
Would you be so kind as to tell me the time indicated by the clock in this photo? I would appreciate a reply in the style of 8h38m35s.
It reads 6h20m57s
